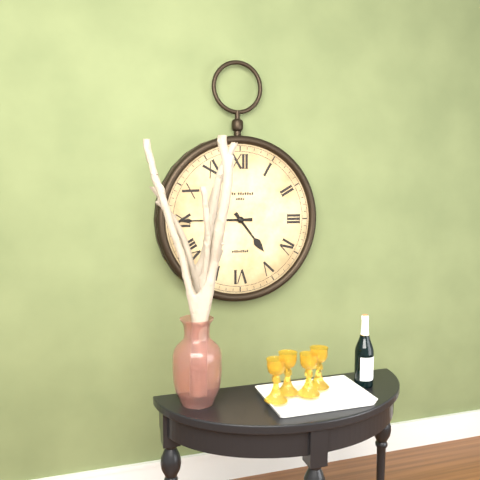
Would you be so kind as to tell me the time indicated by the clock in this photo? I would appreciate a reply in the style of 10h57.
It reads 4h45
